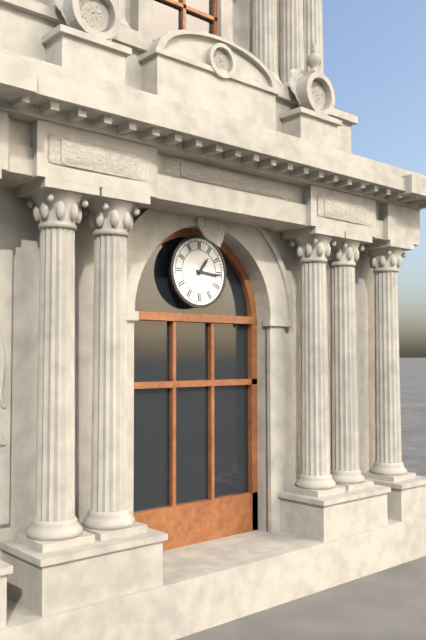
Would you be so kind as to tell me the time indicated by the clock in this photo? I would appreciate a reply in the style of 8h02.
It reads 1h16
